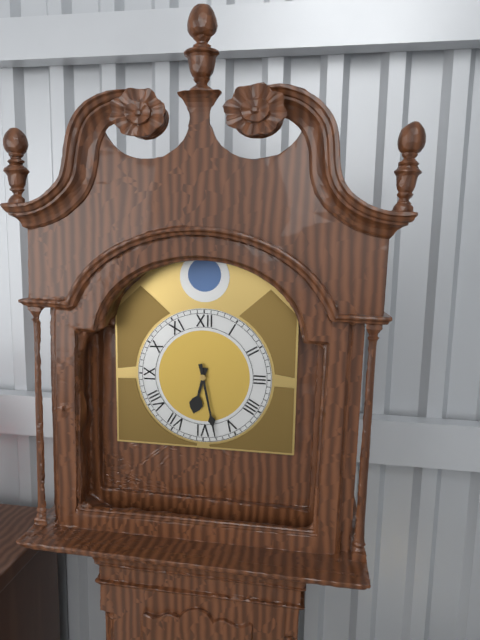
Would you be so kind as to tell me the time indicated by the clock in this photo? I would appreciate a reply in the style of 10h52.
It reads 6h28
